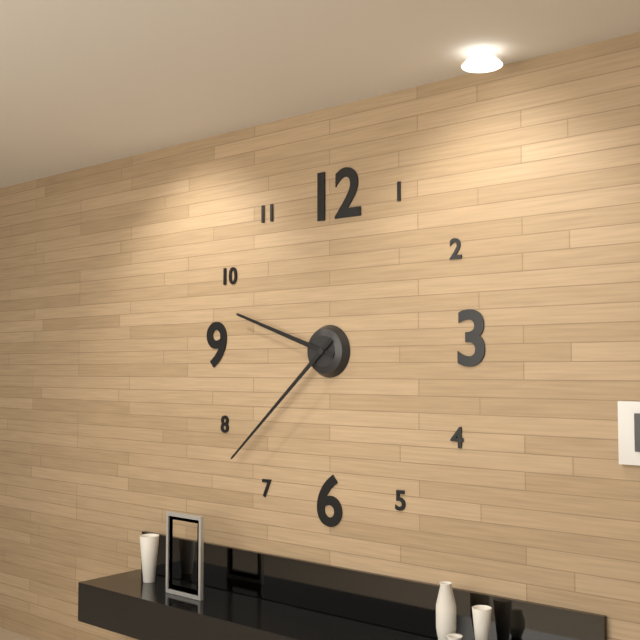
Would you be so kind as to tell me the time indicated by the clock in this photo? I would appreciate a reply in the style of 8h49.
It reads 9h38
